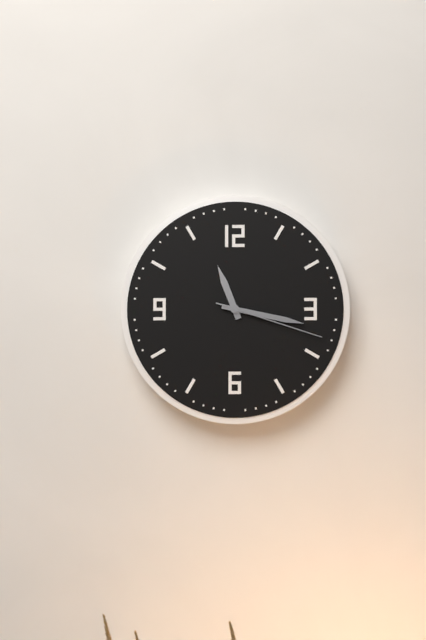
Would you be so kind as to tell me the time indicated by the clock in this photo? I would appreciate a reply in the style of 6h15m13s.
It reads 11h17m18s
